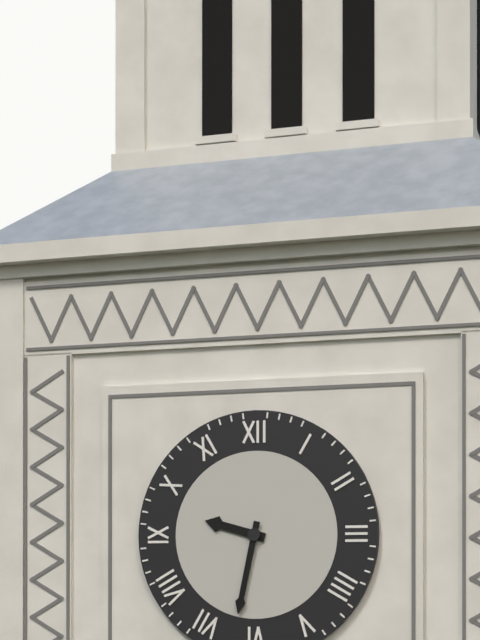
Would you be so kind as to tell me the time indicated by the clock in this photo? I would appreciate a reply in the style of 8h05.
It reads 9h32
